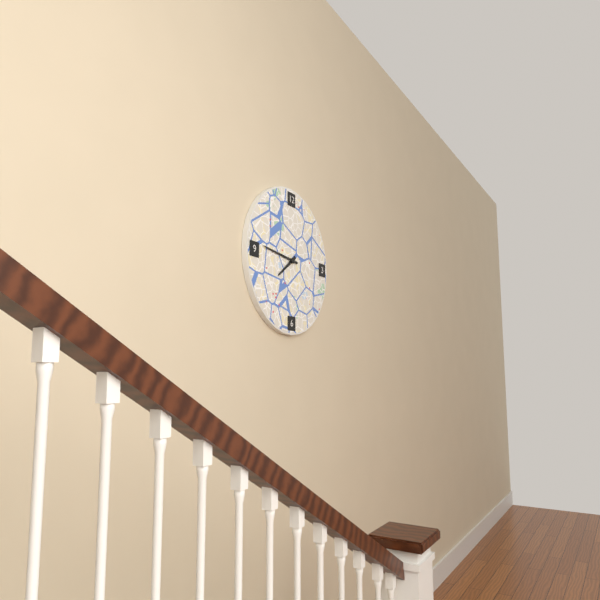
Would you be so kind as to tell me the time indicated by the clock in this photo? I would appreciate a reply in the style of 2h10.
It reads 7h46
